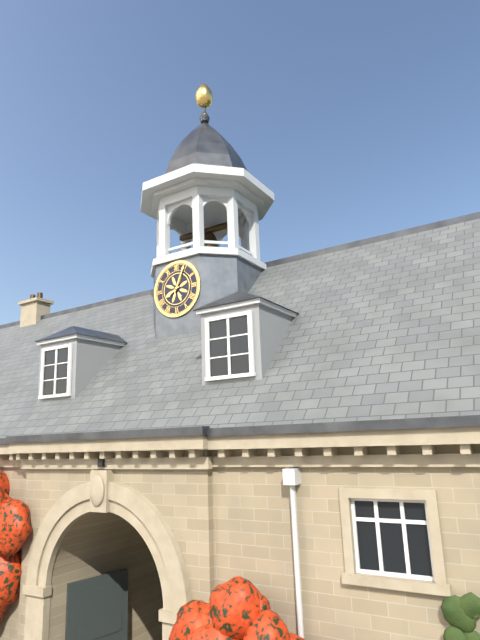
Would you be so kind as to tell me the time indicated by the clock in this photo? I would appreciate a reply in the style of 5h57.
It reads 8h04
